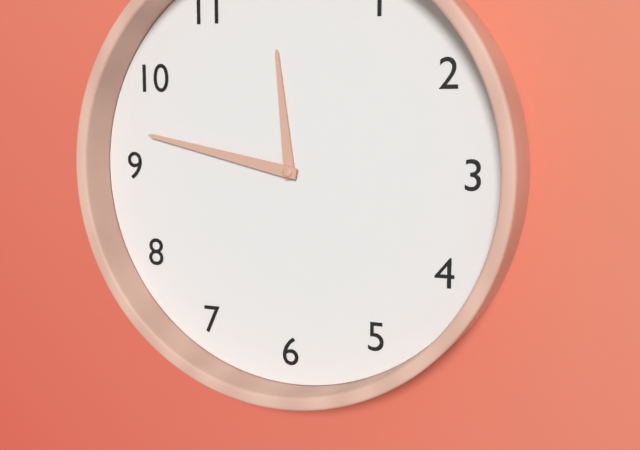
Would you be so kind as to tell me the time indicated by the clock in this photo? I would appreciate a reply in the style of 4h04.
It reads 11h47
